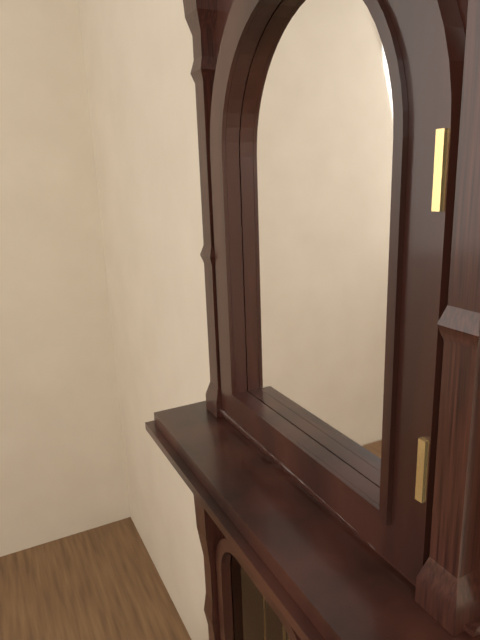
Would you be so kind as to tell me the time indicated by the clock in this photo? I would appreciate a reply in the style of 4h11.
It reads 12h47
